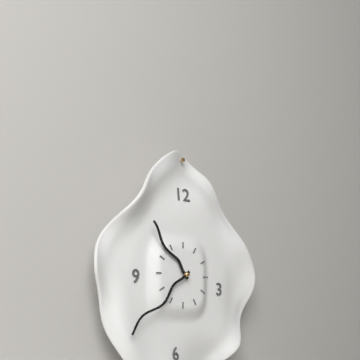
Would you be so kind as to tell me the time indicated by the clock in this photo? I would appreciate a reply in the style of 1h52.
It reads 10h38
